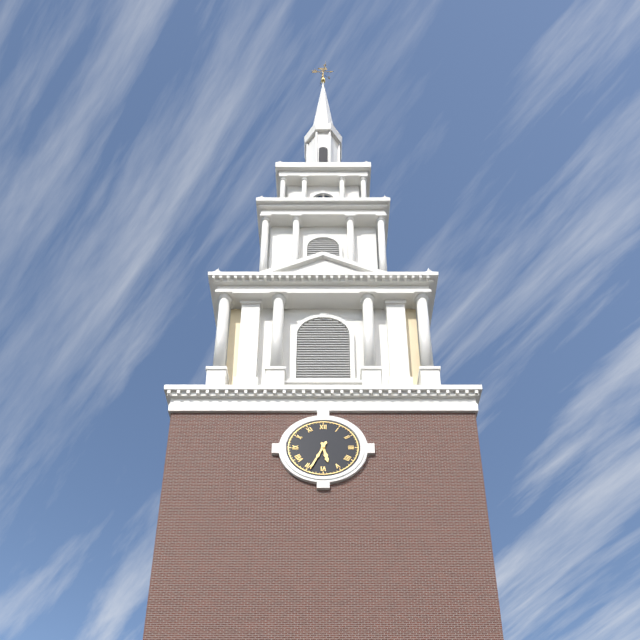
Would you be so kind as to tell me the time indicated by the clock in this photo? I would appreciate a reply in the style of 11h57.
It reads 5h34
